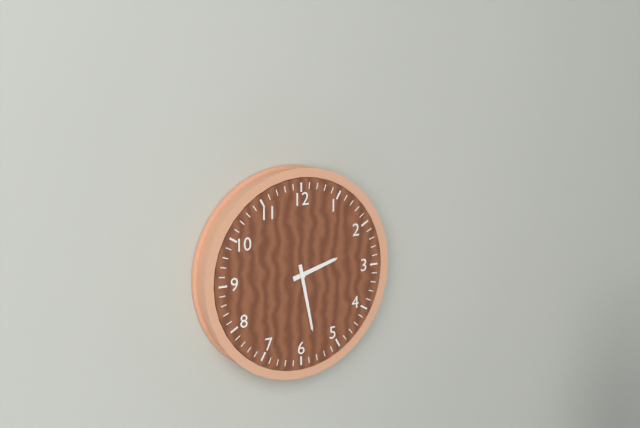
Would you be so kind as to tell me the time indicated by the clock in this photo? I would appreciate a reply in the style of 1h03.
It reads 2h28
